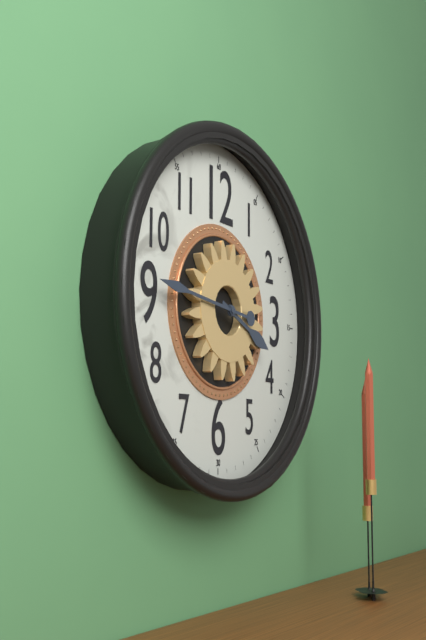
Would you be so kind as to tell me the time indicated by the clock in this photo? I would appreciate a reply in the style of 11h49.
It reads 3h46
